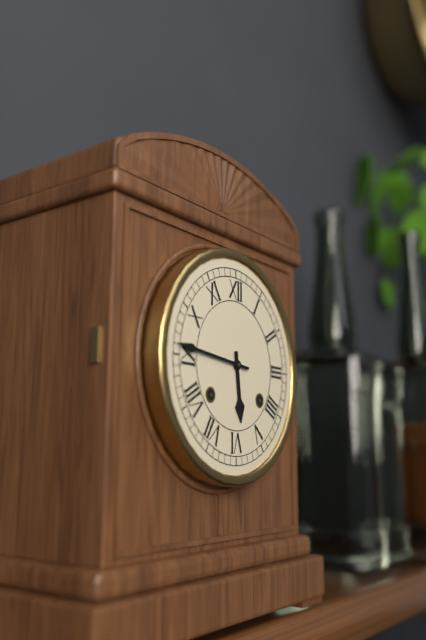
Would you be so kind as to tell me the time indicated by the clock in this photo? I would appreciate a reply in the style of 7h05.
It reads 5h46
